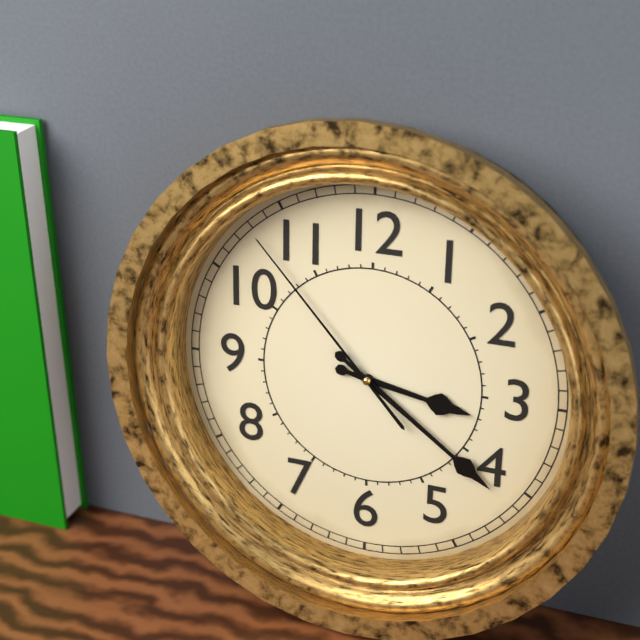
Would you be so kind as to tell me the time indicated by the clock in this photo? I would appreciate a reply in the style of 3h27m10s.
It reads 3h21m53s
